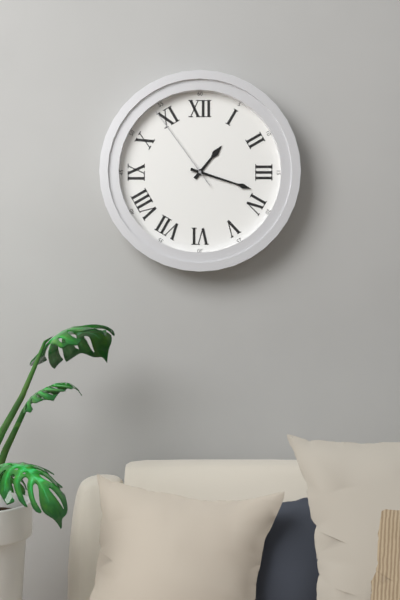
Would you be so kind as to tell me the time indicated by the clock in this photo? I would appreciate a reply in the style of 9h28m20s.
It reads 1h18m54s
